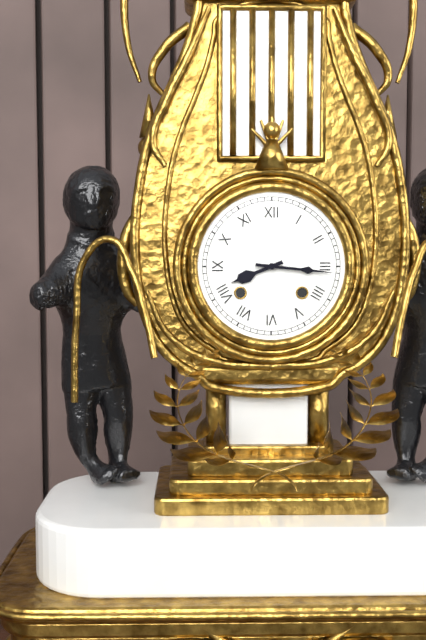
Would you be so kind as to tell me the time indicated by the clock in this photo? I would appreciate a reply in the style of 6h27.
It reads 8h16
